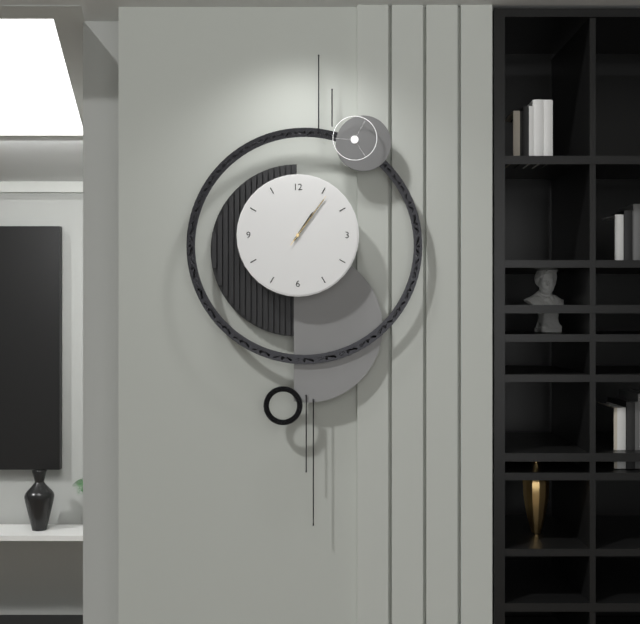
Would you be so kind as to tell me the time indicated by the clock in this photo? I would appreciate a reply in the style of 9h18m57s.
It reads 1h06m06s
